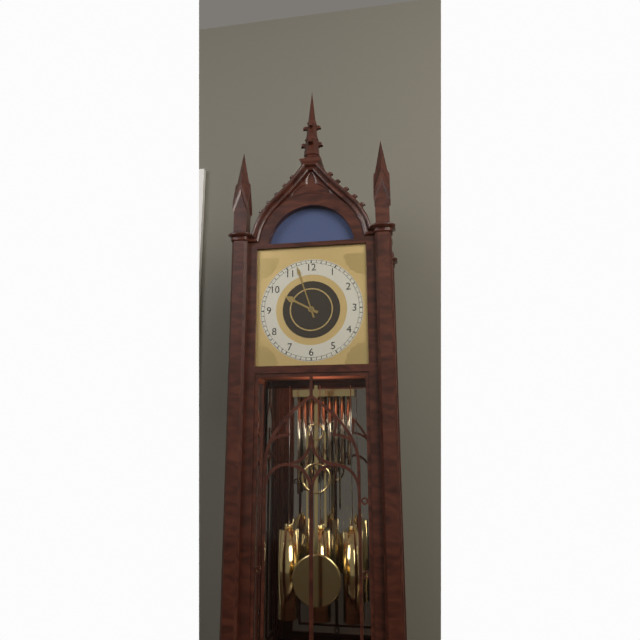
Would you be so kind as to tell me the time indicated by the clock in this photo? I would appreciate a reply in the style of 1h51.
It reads 9h57
